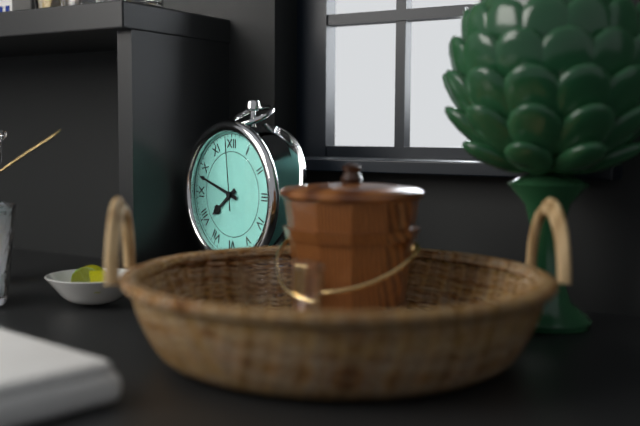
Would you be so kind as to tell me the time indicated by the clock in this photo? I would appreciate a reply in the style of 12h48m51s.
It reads 7h48m59s
